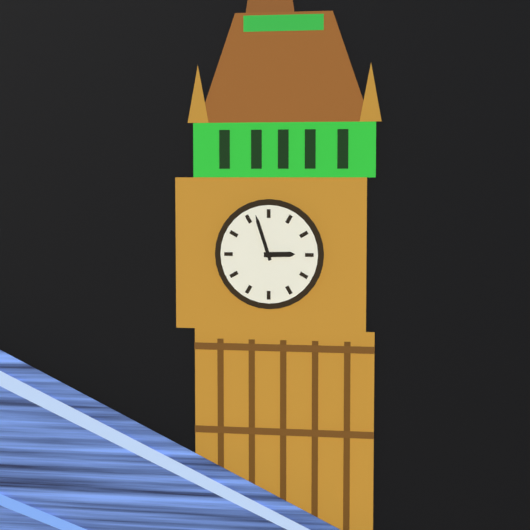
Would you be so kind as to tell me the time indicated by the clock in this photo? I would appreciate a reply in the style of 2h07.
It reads 2h57
